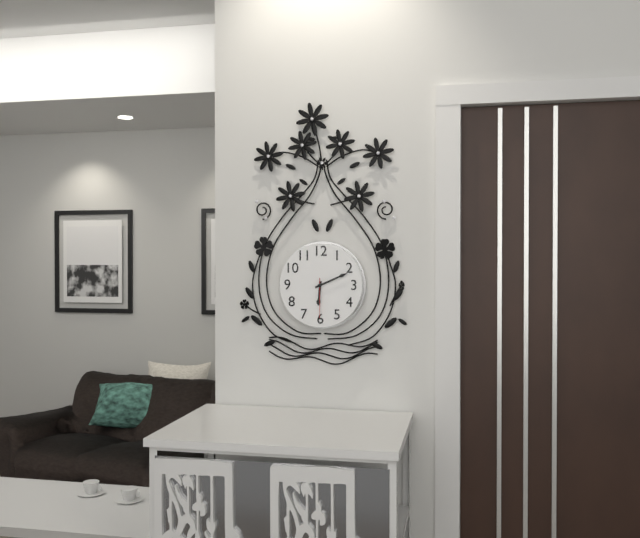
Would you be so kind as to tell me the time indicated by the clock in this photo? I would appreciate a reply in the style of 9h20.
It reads 6h11
